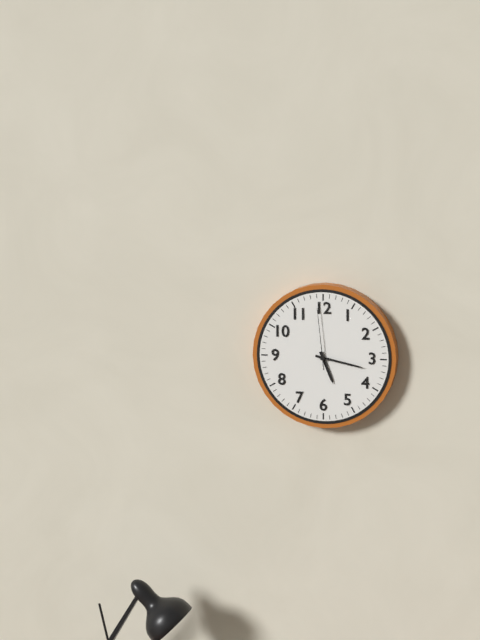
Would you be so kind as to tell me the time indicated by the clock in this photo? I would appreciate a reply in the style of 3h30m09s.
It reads 5h17m59s
